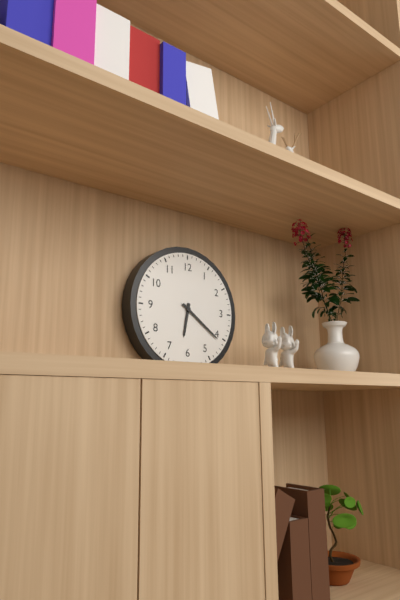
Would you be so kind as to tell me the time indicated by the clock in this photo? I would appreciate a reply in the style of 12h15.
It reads 6h21
